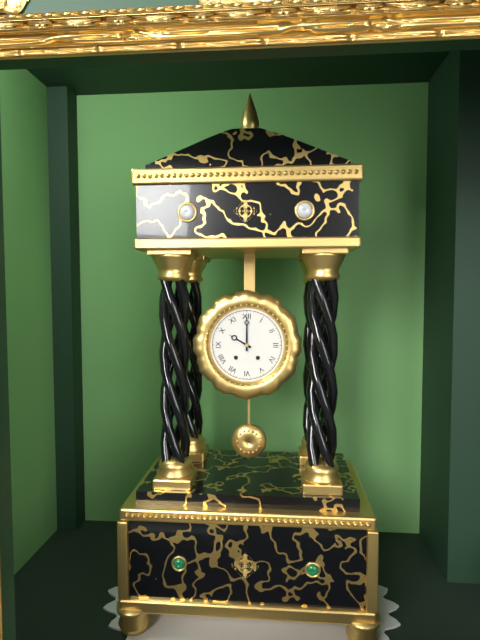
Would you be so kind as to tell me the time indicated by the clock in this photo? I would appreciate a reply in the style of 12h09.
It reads 10h00
